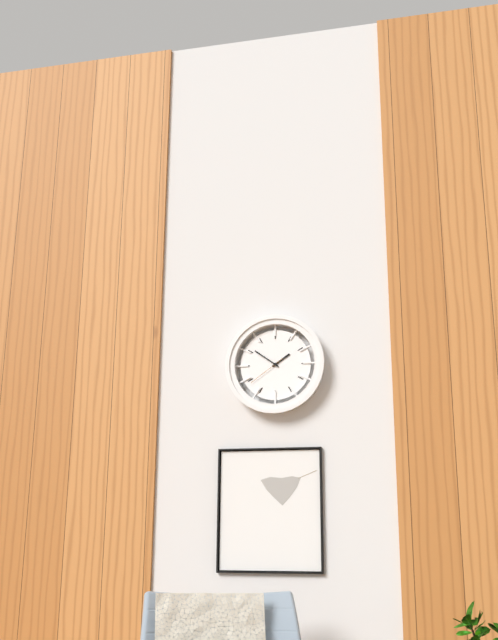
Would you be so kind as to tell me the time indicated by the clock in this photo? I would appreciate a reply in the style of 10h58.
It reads 1h51
